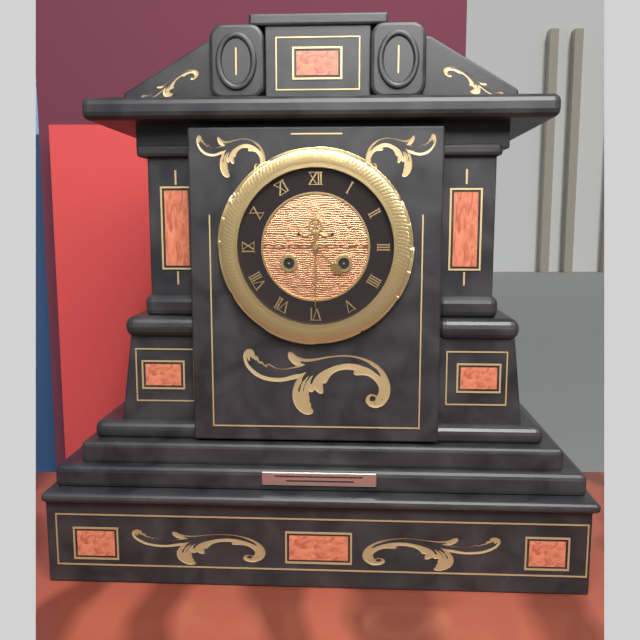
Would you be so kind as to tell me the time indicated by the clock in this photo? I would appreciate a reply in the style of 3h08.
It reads 4h30
